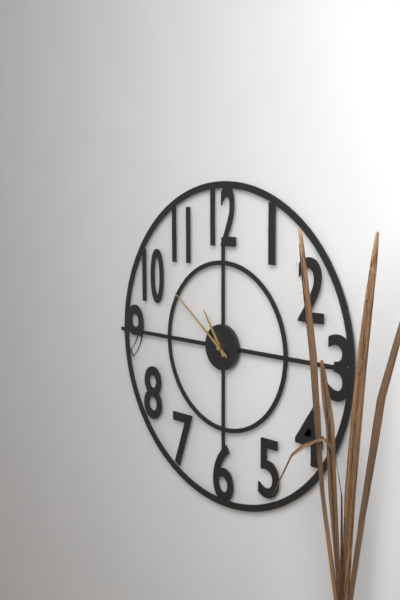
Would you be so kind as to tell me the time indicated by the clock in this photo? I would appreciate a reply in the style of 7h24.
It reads 10h51
